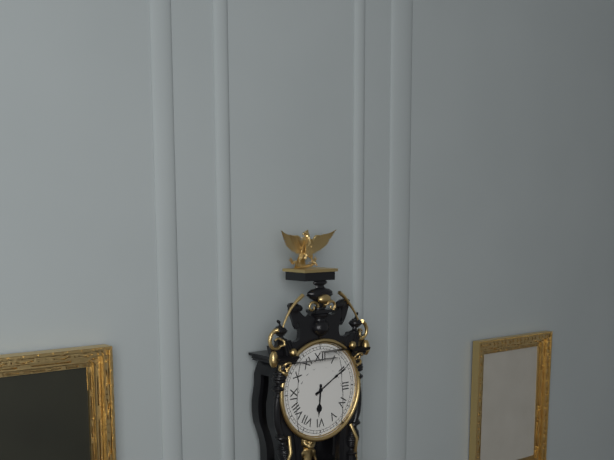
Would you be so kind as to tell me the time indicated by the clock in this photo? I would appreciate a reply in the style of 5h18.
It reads 6h10
